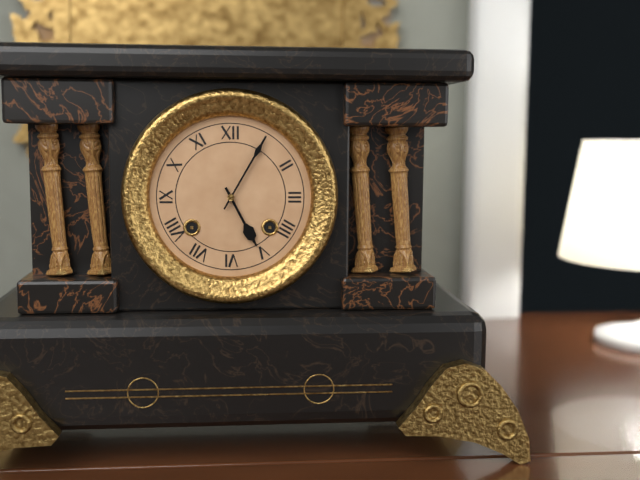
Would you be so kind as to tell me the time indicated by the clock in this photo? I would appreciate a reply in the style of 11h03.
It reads 5h05
